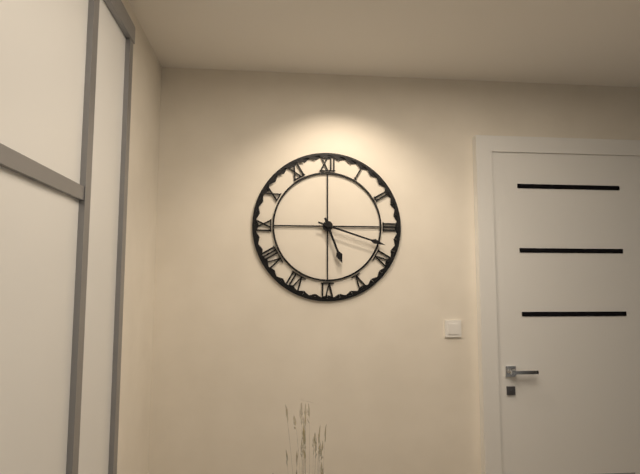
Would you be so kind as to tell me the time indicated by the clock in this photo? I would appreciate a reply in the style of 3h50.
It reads 5h18
